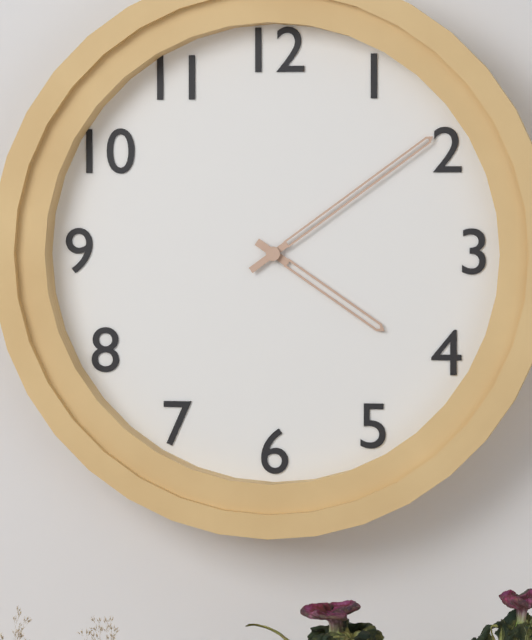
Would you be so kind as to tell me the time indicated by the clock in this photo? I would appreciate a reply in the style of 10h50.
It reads 4h09
